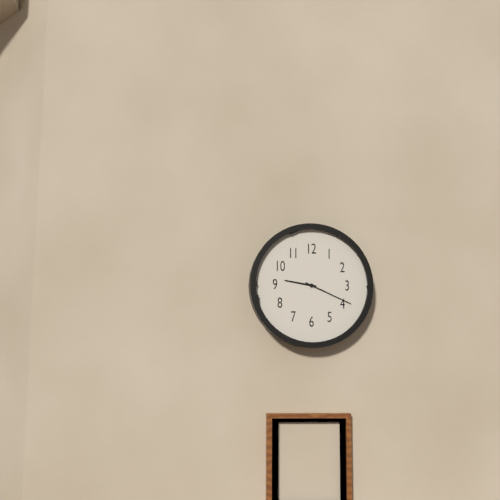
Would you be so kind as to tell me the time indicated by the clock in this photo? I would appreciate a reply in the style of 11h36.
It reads 9h19
